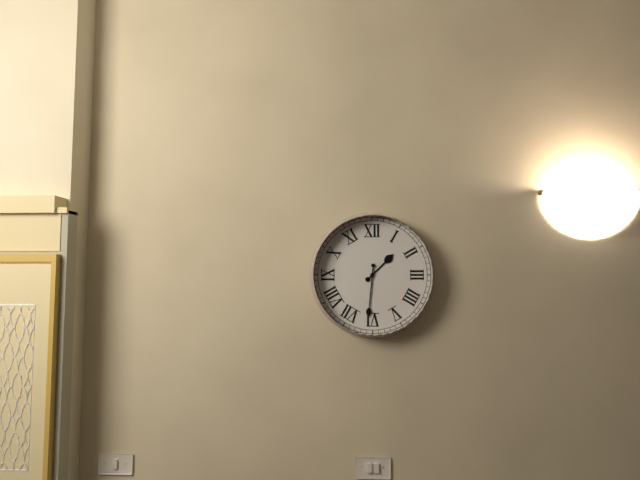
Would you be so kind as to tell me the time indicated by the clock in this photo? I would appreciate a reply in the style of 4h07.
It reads 1h31
